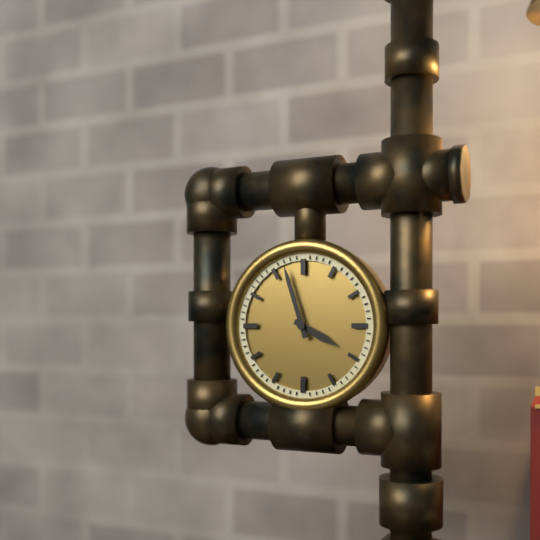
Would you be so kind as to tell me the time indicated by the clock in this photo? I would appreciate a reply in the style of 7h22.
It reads 3h57
